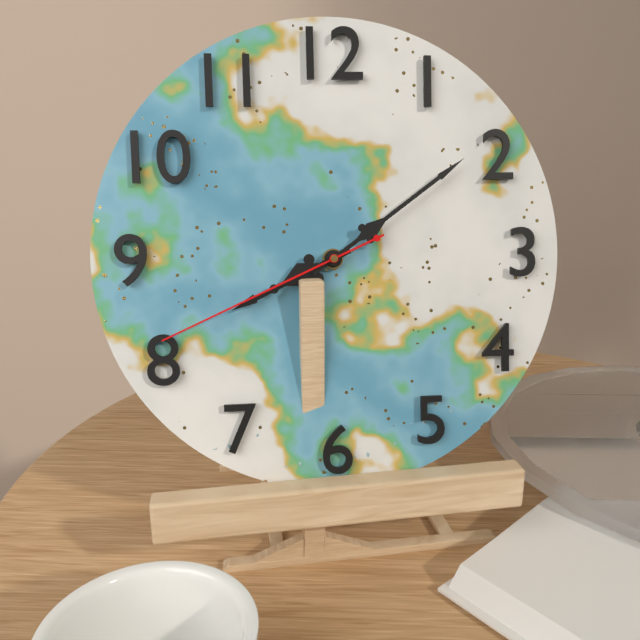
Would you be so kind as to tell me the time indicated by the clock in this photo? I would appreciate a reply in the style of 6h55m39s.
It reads 8h09m41s
